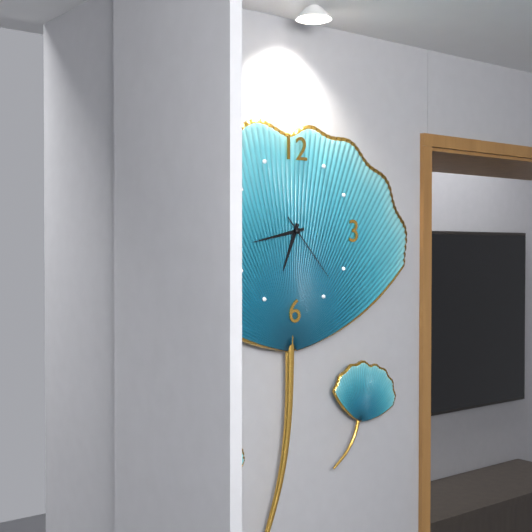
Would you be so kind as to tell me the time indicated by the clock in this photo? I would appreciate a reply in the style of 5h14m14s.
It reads 6h43m23s
